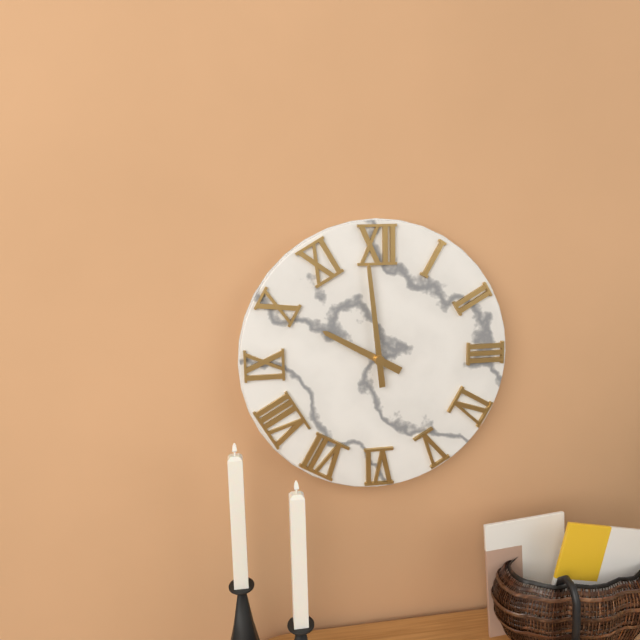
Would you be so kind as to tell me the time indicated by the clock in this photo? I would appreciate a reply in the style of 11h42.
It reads 9h59
